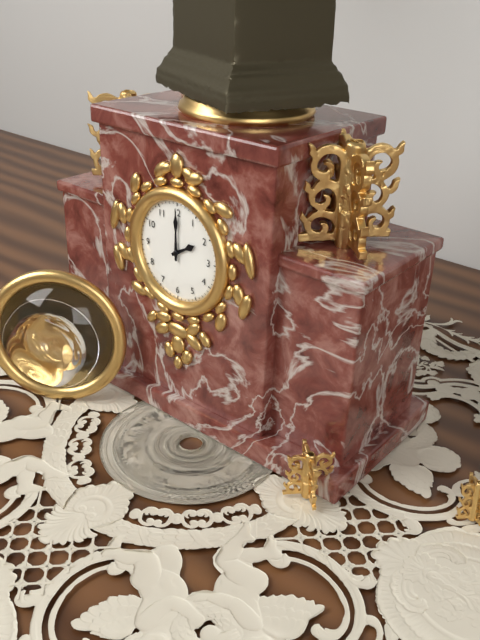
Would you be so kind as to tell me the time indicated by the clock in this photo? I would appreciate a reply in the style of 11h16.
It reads 2h00
